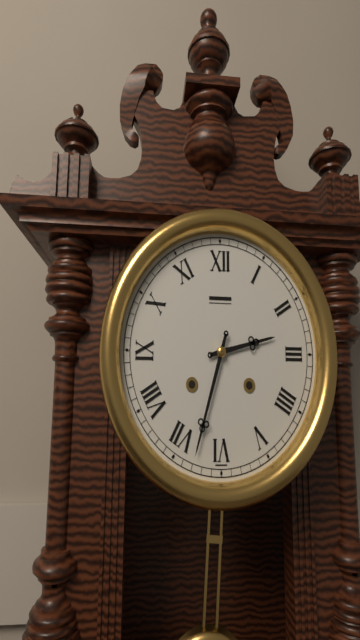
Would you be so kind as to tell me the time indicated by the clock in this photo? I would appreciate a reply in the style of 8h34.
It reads 2h33
